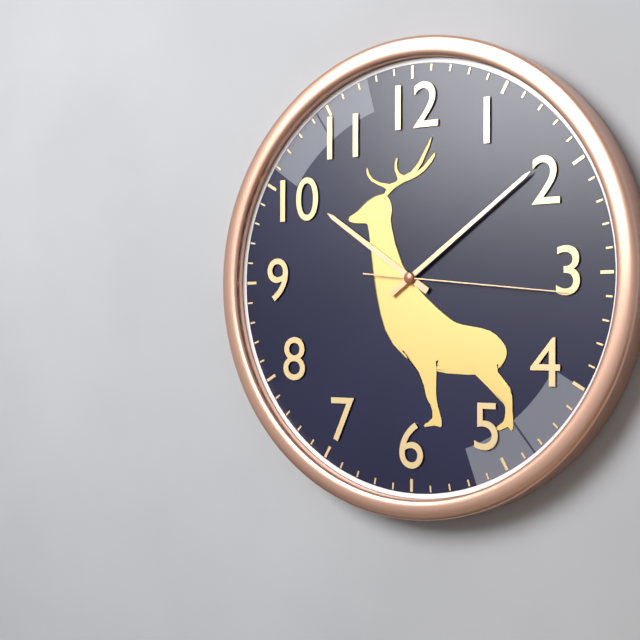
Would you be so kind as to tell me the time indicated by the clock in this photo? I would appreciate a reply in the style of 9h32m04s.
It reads 10h09m16s
